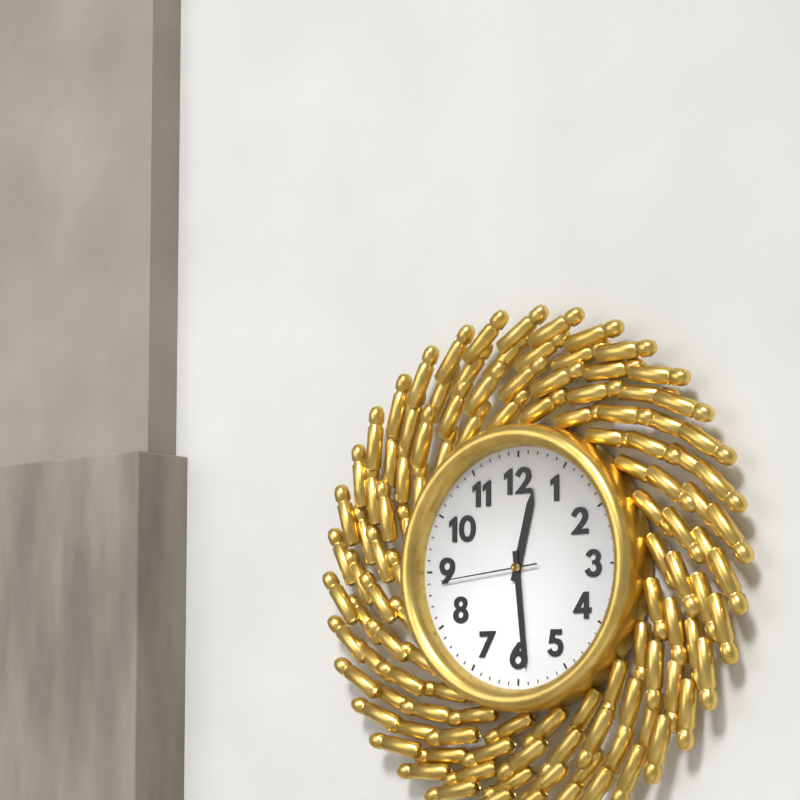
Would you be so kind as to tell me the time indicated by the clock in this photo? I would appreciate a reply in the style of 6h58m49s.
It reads 12h29m44s
